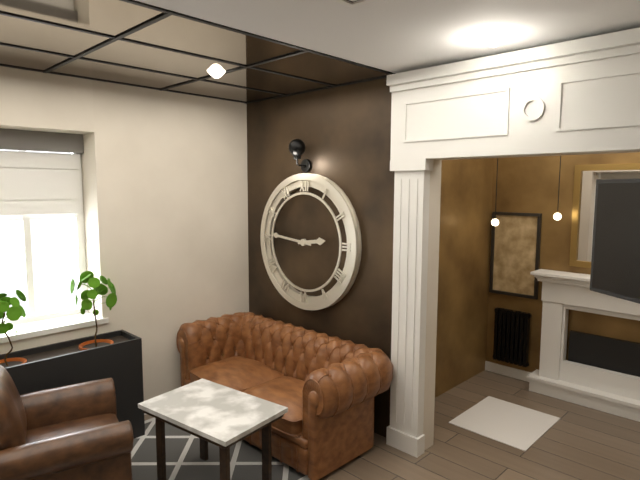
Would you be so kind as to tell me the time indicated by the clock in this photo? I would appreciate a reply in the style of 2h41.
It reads 2h46
